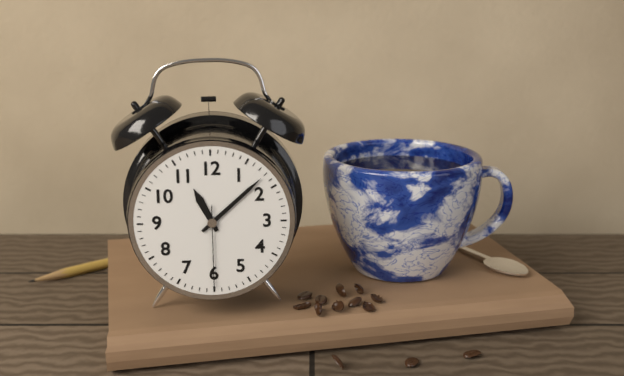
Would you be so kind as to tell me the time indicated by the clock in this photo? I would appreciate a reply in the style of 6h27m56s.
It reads 11h08m30s
